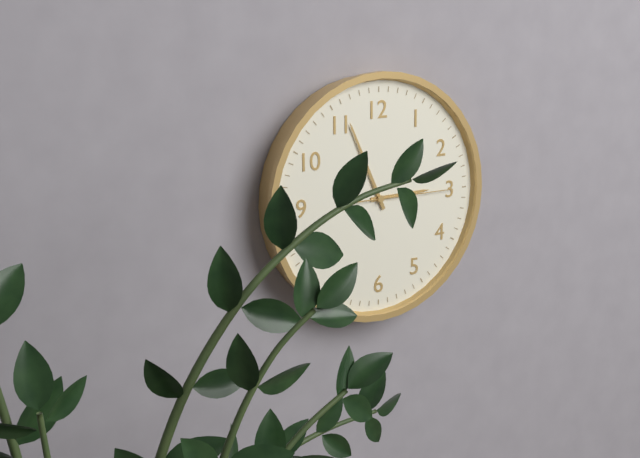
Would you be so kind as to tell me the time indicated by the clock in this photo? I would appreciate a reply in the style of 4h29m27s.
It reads 2h56m15s
